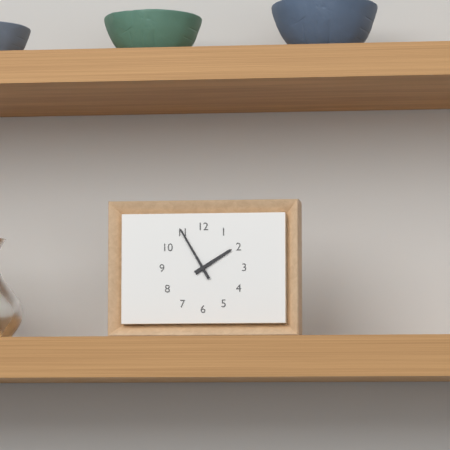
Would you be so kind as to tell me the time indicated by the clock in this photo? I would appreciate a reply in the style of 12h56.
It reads 1h55
